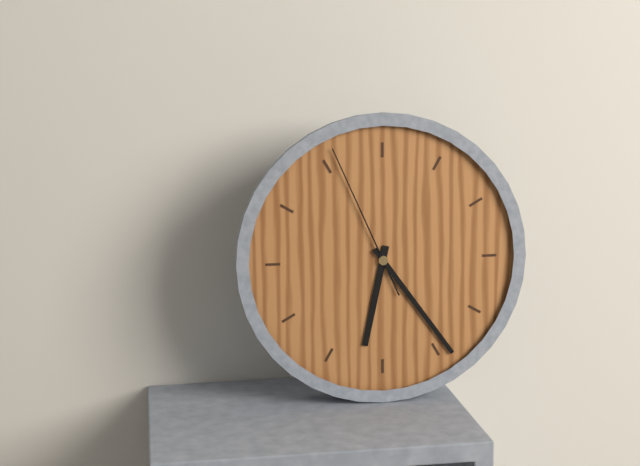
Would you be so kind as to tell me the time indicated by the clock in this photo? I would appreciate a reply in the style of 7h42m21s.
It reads 6h24m56s
